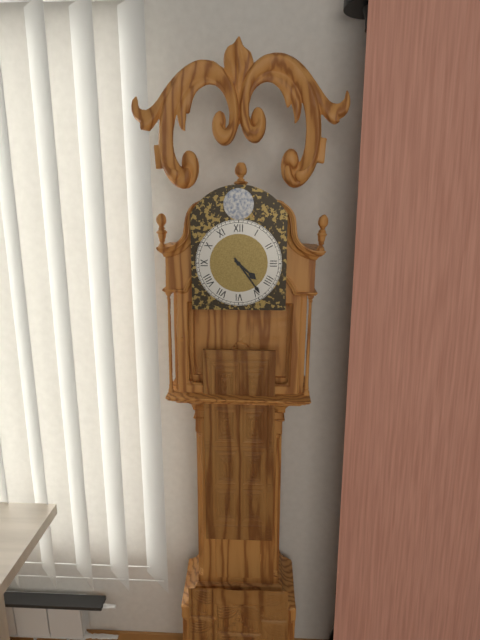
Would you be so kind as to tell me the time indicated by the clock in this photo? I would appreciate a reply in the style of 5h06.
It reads 4h24
